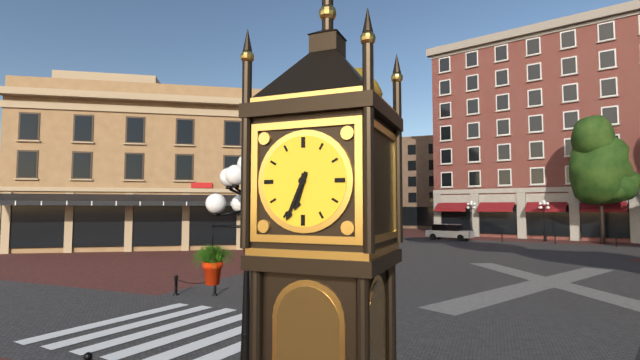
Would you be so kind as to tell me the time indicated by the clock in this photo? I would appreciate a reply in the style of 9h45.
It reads 6h34
